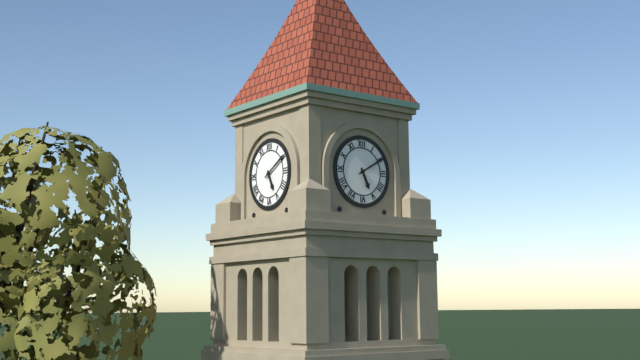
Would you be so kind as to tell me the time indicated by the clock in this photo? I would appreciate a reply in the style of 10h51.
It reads 5h10
